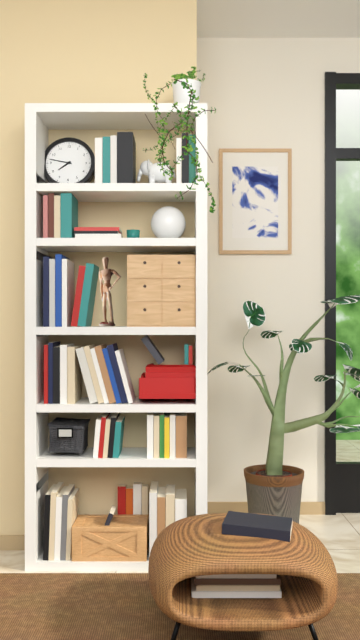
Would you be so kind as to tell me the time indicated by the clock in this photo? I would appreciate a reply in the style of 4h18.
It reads 7h47
